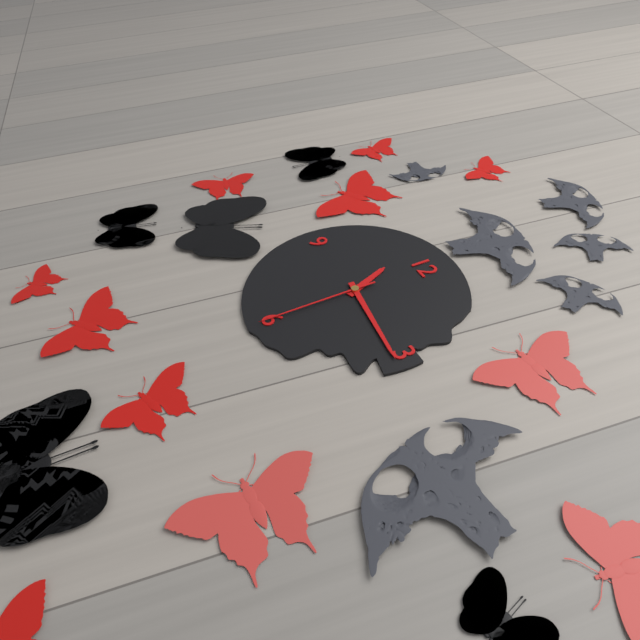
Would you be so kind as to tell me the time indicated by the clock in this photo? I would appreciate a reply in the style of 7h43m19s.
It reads 11h16m30s
